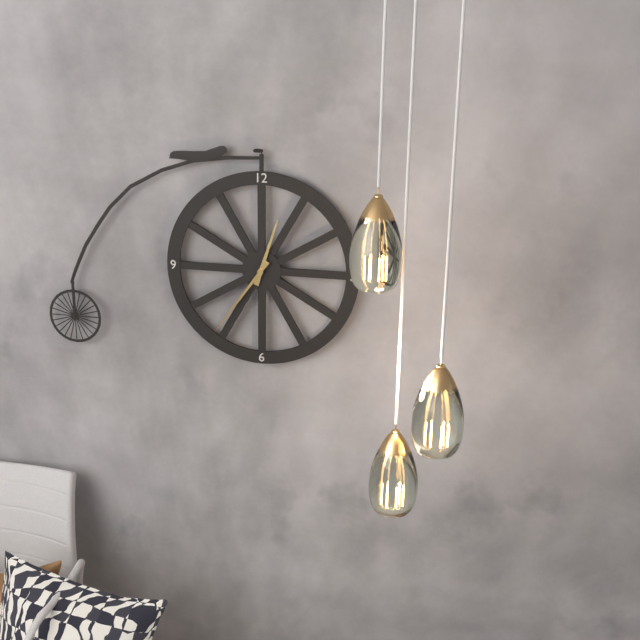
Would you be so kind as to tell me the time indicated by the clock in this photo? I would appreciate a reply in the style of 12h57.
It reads 12h36
